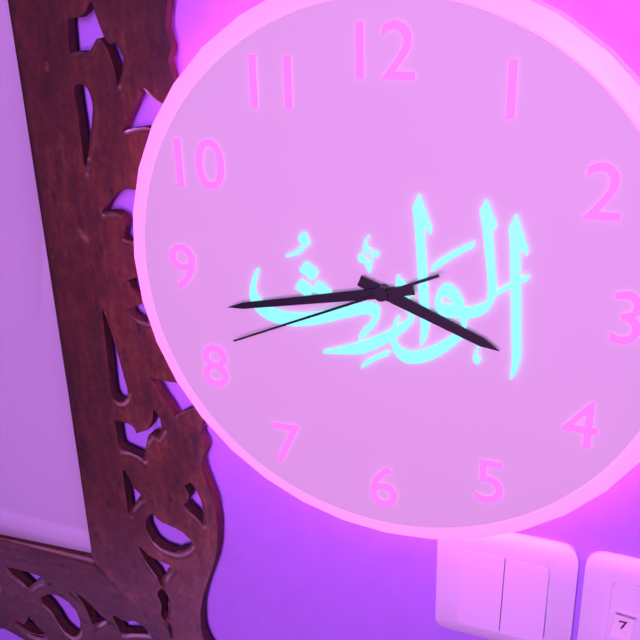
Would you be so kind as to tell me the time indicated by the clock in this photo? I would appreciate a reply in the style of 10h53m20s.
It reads 3h43m41s
